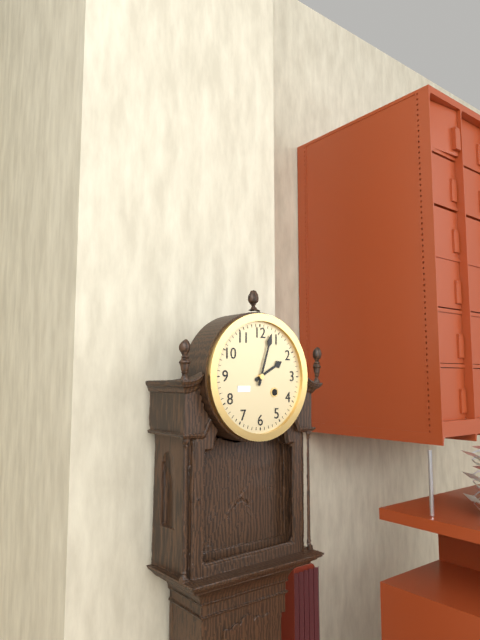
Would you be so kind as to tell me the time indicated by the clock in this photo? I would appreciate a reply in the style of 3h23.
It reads 2h03
